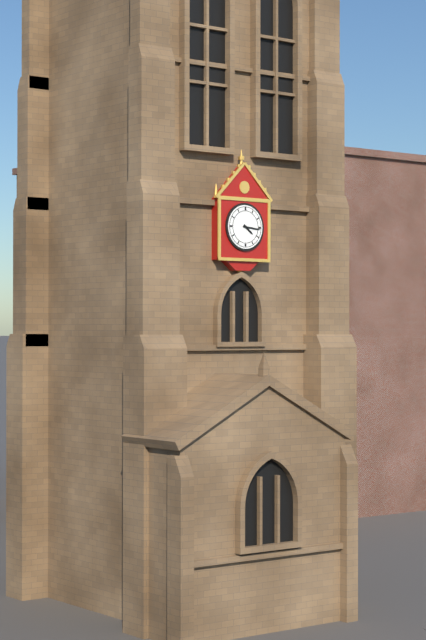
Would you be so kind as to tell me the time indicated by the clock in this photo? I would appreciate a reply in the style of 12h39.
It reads 4h16
